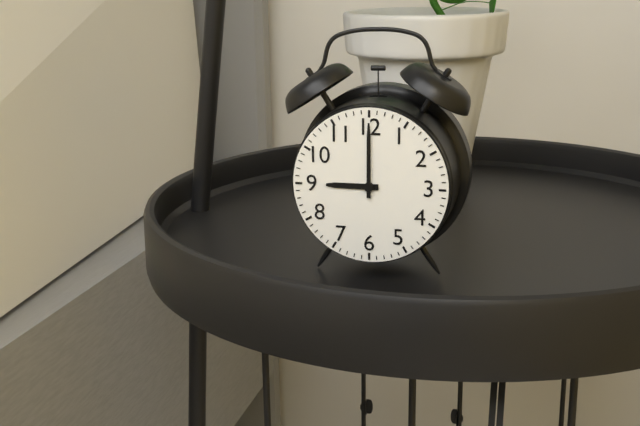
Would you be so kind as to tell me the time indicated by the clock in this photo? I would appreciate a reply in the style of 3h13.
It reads 9h00
